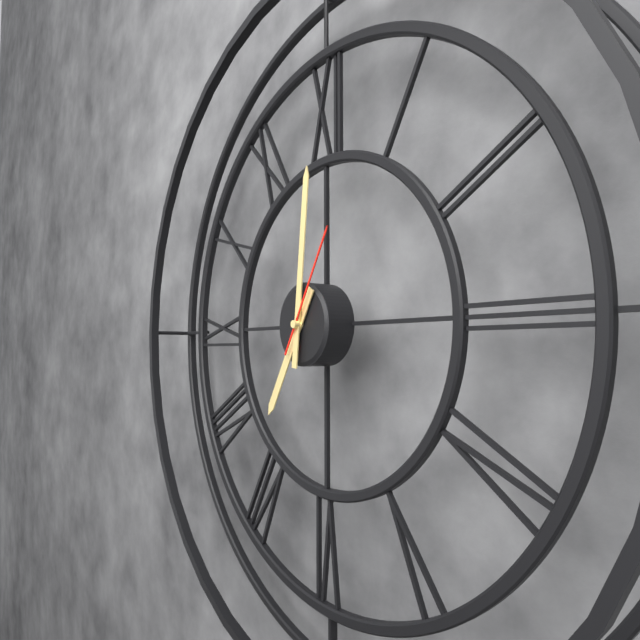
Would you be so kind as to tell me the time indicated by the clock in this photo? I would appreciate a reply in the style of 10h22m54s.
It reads 7h01m05s
